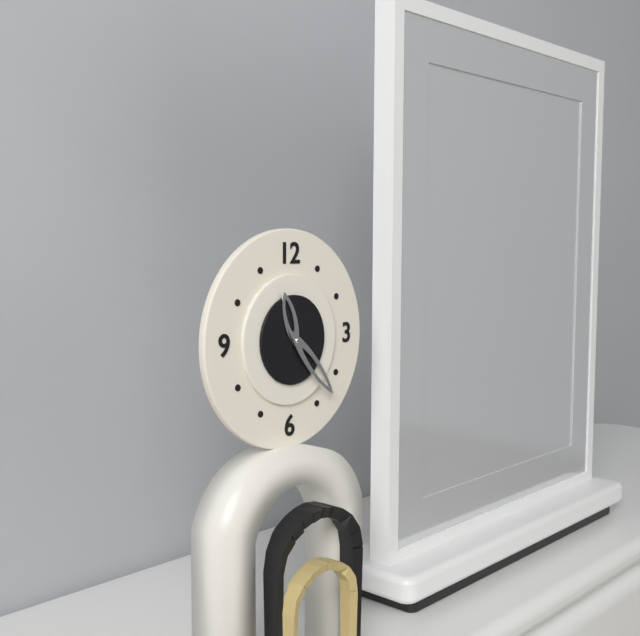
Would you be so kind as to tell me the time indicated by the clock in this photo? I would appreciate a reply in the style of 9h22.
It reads 11h23
